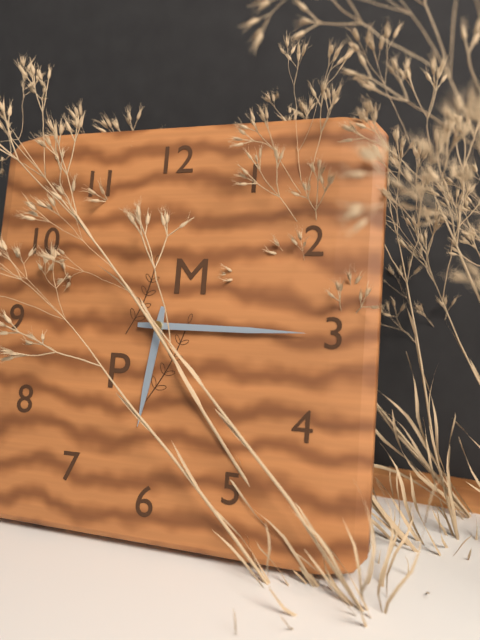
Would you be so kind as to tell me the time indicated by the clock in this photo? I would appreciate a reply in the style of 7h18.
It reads 6h15
